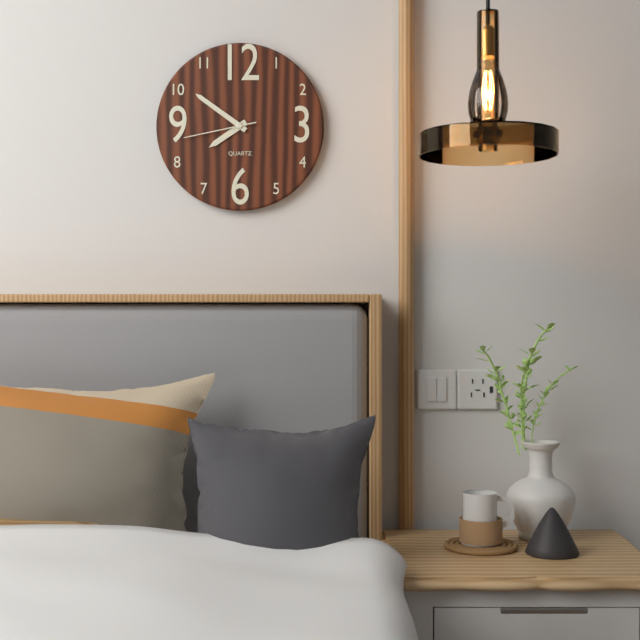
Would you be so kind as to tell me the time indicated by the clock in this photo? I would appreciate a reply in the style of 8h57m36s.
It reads 7h51m43s
